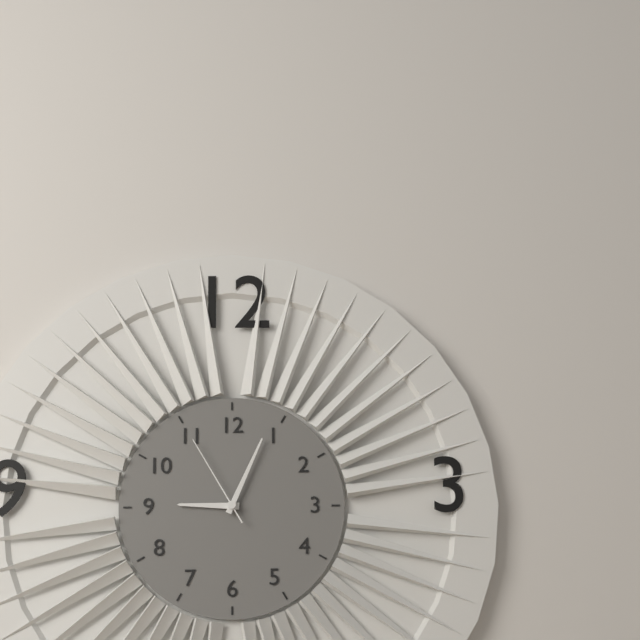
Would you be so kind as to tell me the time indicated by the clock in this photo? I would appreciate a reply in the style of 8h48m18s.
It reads 9h04m55s
